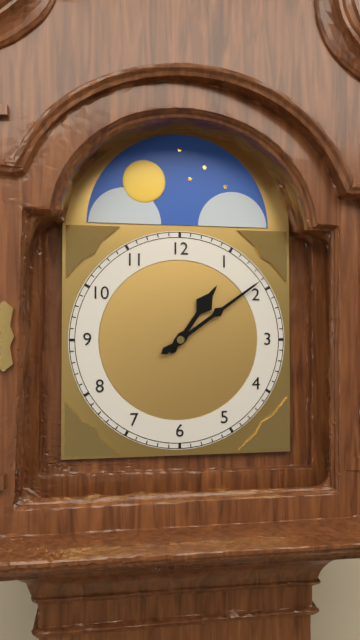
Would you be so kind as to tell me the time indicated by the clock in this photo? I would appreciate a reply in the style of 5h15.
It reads 1h09
